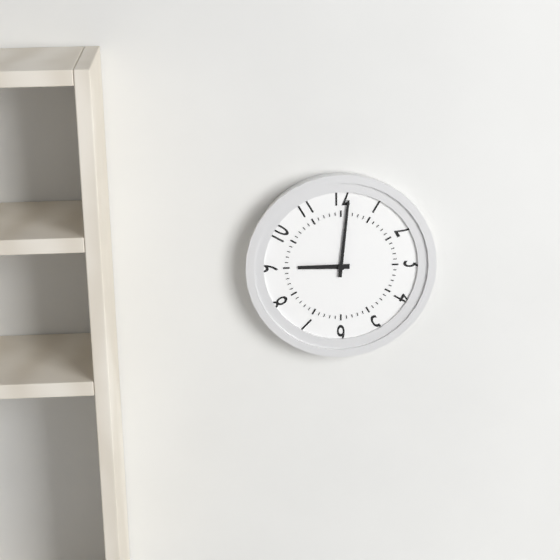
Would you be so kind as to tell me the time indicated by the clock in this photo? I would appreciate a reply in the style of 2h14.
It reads 9h01
